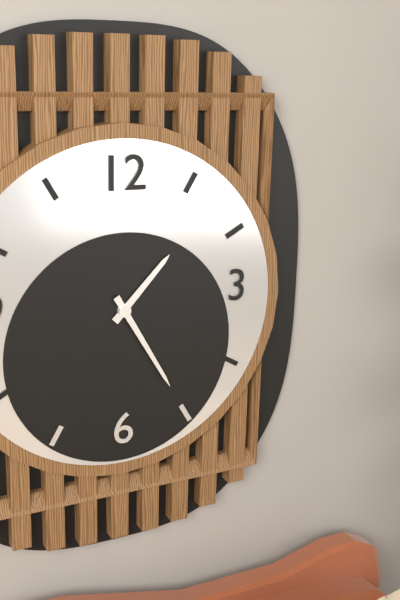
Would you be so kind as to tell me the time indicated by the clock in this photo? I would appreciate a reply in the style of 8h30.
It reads 1h25
